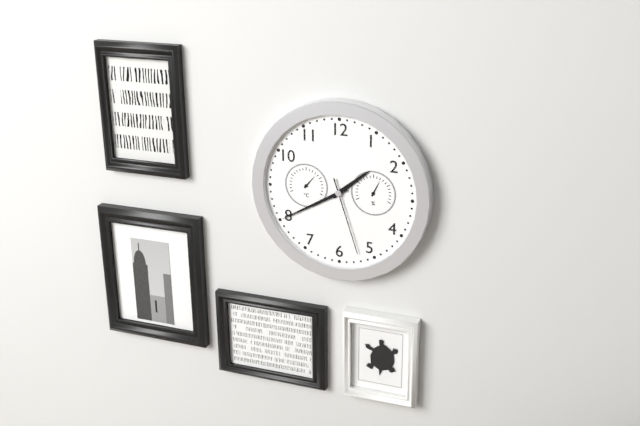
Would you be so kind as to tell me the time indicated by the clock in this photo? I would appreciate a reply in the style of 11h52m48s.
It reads 1h40m27s
